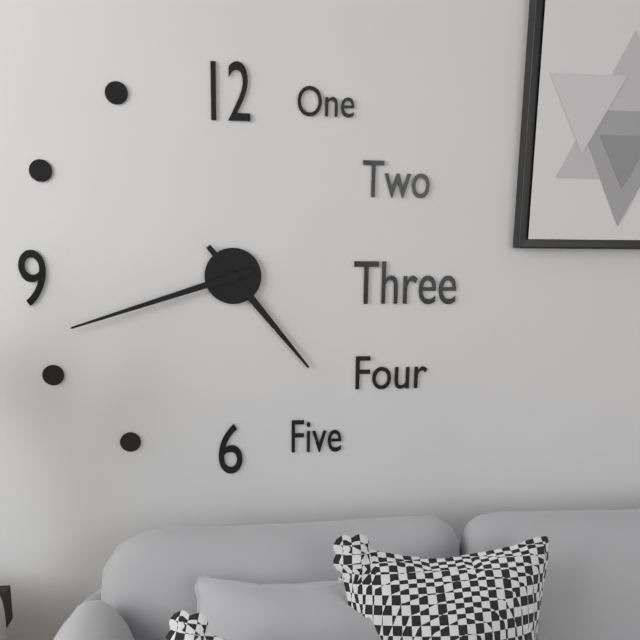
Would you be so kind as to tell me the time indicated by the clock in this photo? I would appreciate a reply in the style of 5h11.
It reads 4h42
